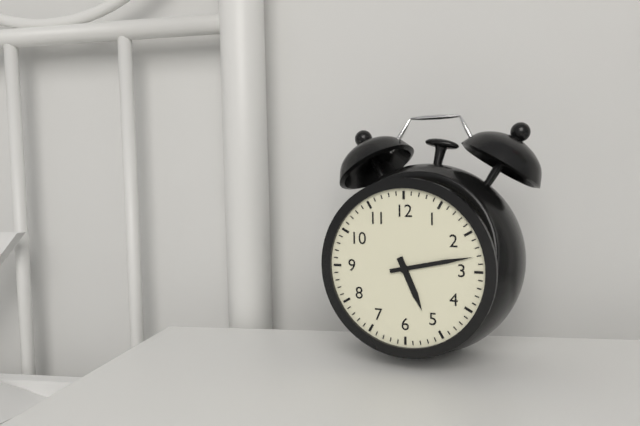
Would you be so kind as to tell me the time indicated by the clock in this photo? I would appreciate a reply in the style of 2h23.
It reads 5h13
